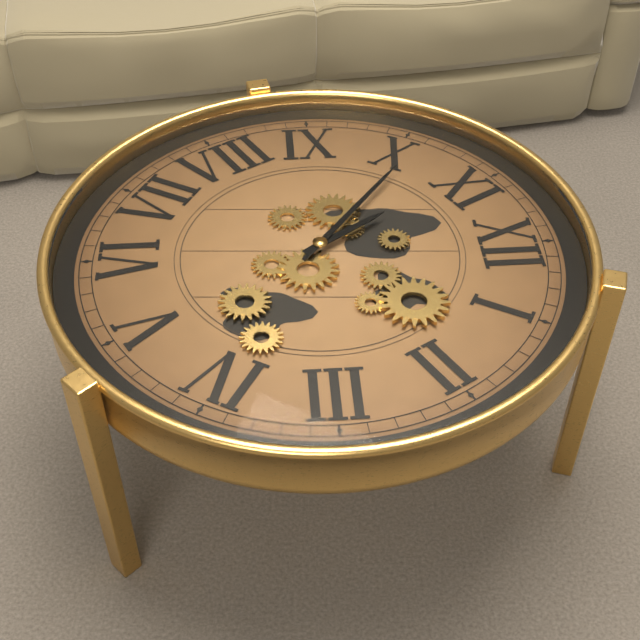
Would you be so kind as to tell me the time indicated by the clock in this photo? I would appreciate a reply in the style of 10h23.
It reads 10h51
